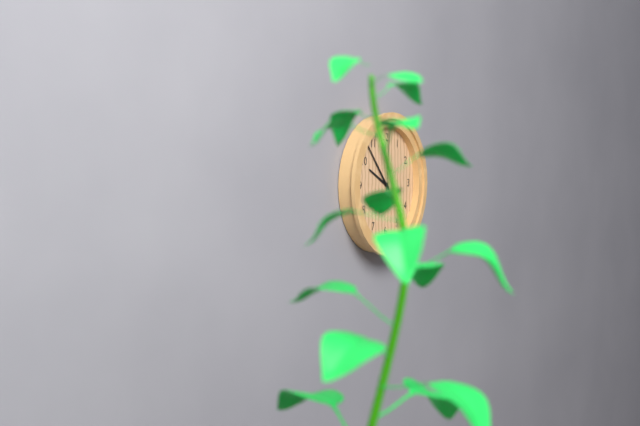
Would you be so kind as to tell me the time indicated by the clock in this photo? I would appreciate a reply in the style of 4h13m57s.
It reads 9h53m01s
